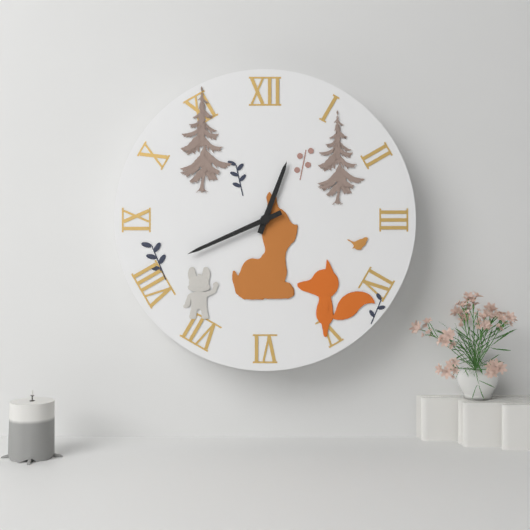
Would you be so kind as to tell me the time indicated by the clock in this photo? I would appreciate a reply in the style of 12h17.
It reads 12h41
